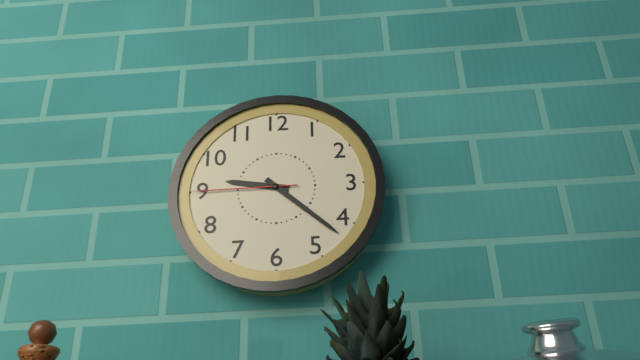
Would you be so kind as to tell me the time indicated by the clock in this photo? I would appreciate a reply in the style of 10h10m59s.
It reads 9h22m45s
